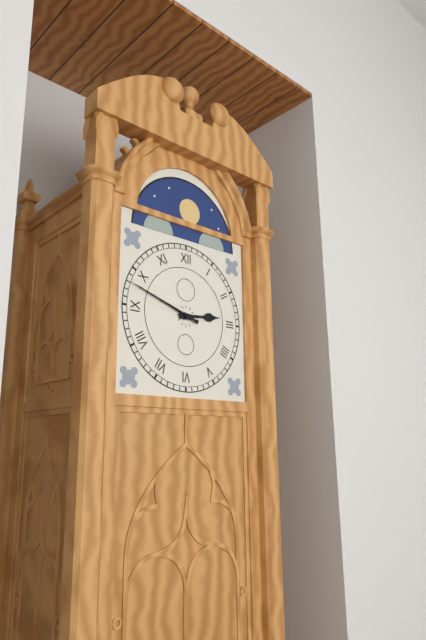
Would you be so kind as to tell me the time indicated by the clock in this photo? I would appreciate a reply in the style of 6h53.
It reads 2h48
